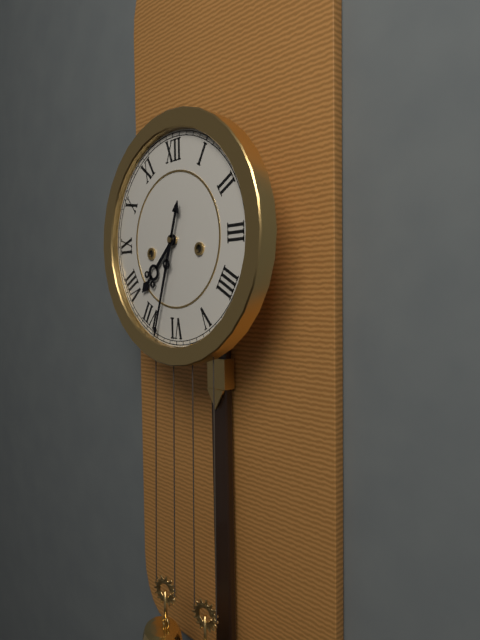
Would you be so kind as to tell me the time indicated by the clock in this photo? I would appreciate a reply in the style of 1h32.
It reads 7h33
